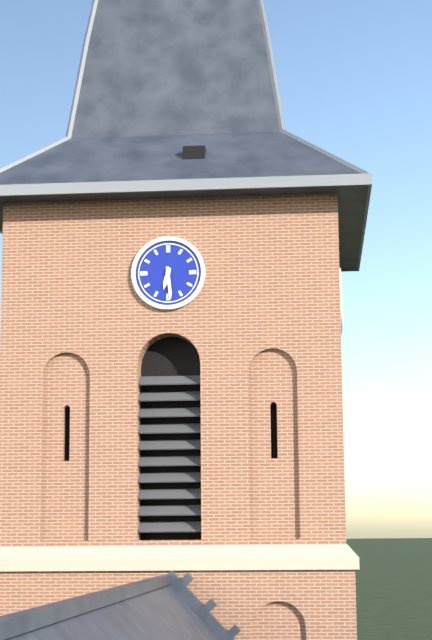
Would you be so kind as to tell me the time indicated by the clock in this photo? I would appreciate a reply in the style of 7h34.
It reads 6h29
